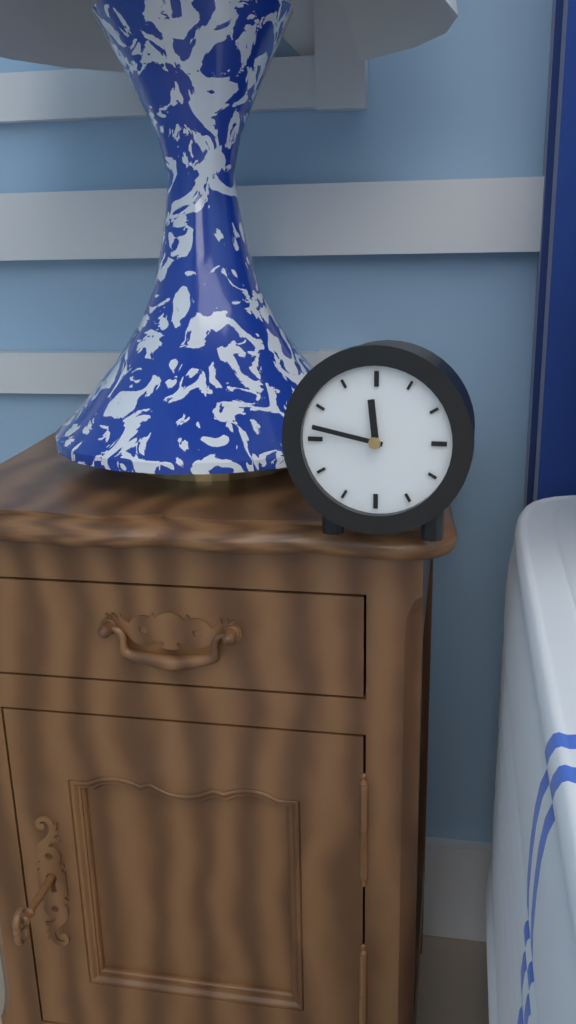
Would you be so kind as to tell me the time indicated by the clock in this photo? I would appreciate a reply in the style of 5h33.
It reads 11h47
